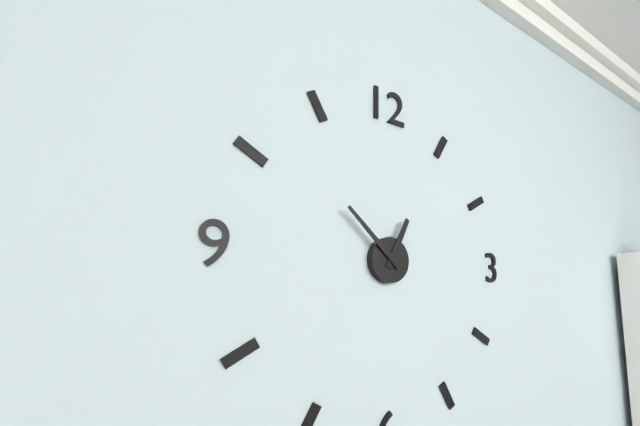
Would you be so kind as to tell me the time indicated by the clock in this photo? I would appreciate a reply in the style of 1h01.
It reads 12h52
